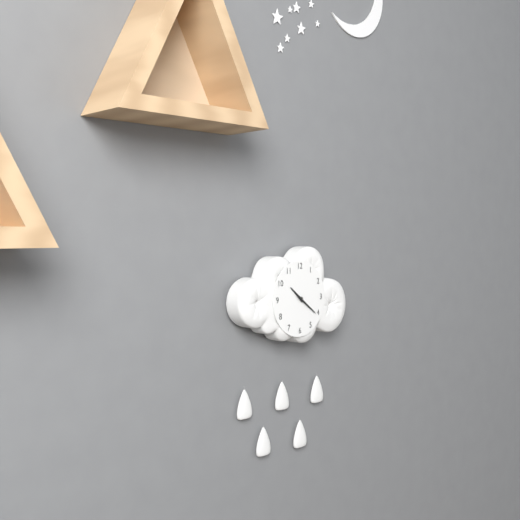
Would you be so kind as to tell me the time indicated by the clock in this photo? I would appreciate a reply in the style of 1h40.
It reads 10h21
